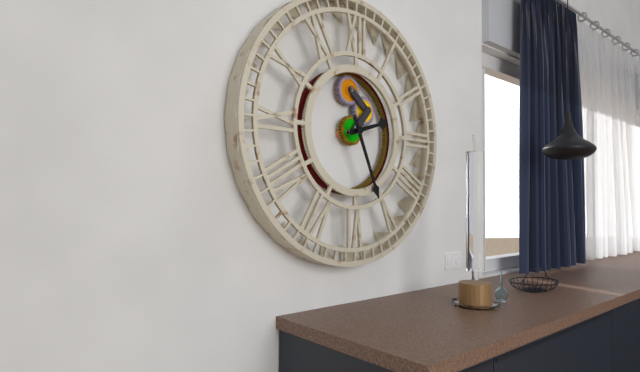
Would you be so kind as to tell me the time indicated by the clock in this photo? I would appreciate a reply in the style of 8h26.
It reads 2h26
